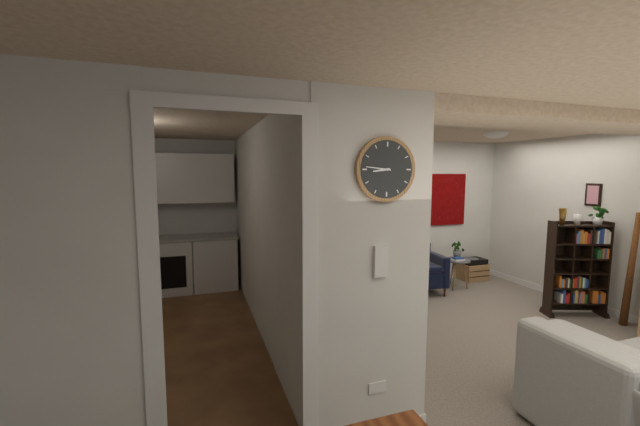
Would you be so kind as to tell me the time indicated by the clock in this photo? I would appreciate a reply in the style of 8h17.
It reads 8h46
